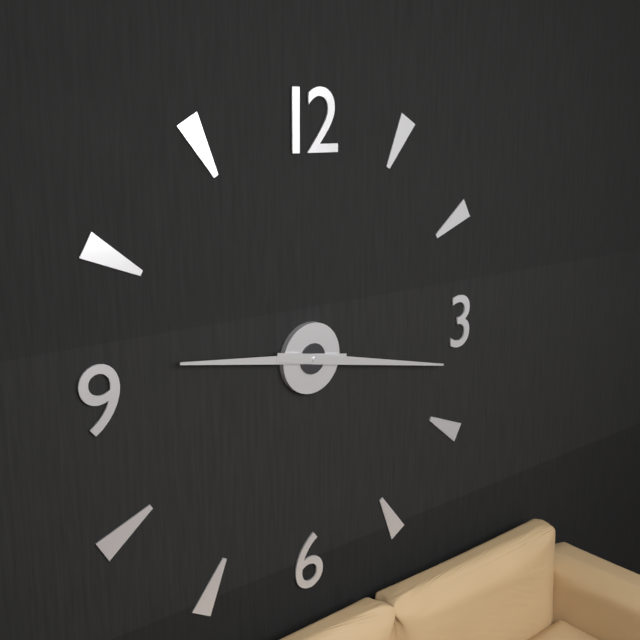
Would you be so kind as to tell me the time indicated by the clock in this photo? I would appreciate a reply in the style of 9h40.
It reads 9h17
